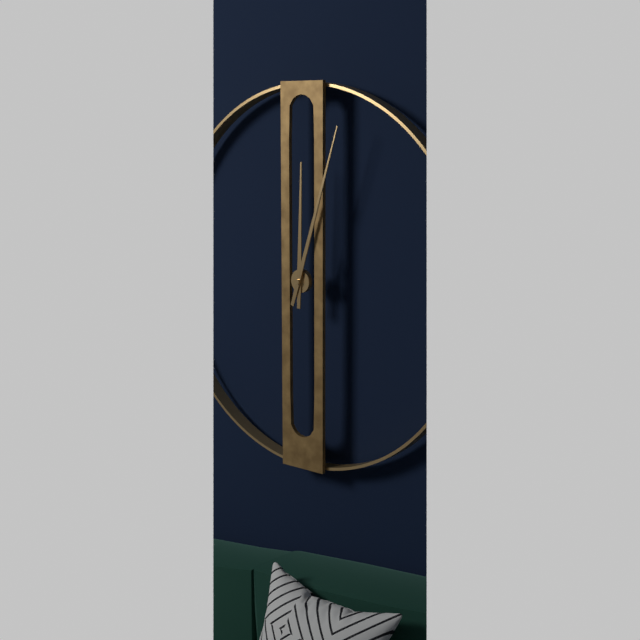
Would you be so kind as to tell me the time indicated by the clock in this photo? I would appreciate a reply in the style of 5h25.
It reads 12h03
